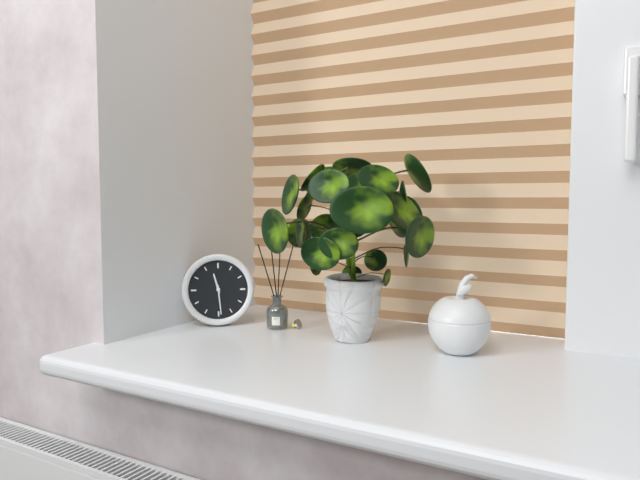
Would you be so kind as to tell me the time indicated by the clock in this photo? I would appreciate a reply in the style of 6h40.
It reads 11h29
